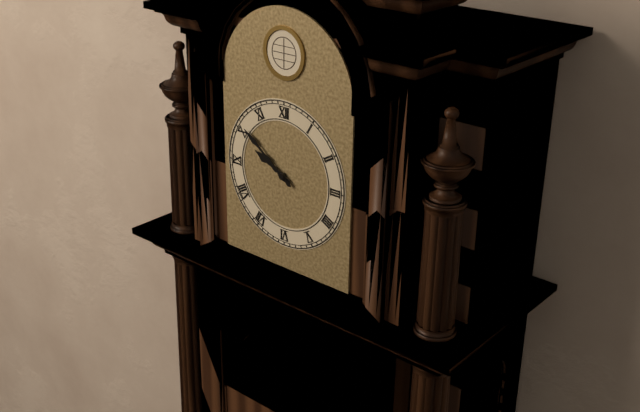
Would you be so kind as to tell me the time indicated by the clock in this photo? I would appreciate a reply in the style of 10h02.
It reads 9h51
